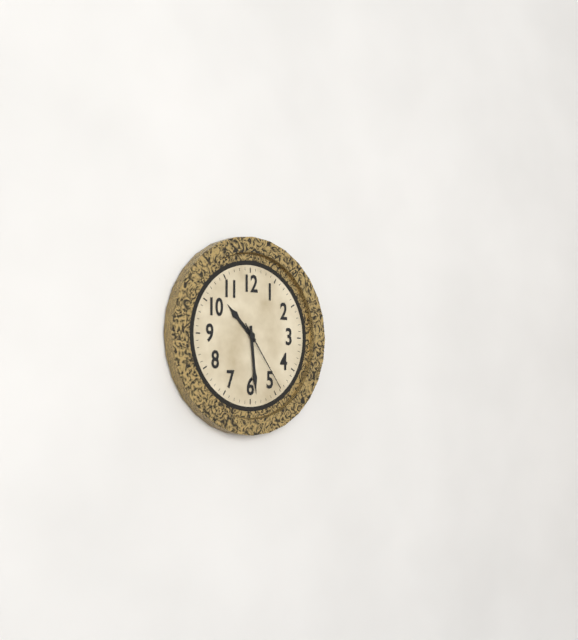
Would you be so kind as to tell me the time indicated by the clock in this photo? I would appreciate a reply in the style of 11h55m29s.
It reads 10h29m24s
